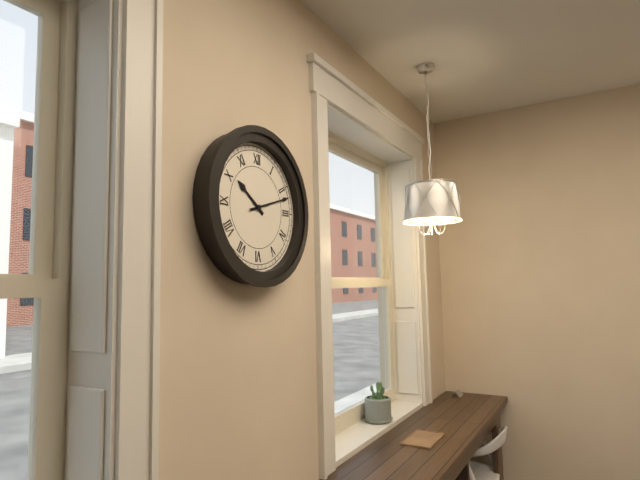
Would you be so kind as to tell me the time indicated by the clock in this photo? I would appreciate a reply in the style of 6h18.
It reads 10h12
